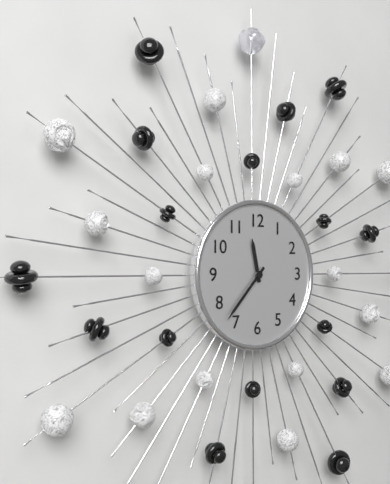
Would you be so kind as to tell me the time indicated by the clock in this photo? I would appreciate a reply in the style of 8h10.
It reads 11h37
